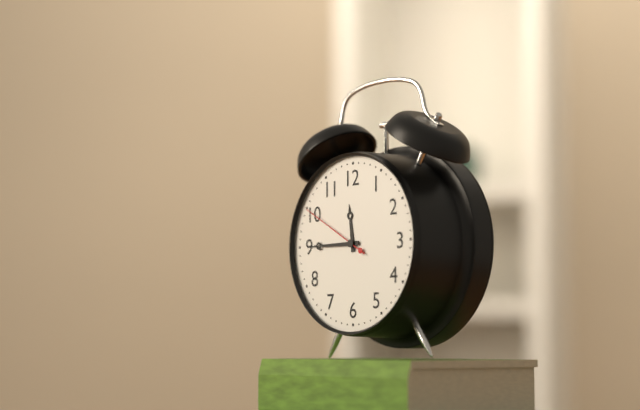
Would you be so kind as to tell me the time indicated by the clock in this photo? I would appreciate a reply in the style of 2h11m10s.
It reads 11h45m50s
